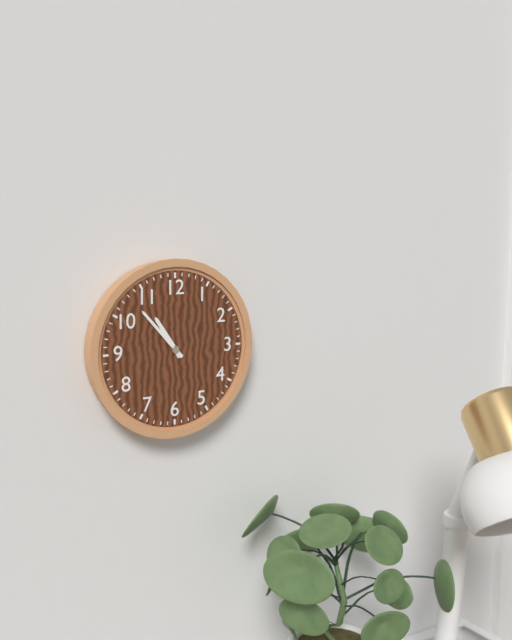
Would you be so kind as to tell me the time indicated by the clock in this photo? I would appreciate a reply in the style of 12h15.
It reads 10h53
